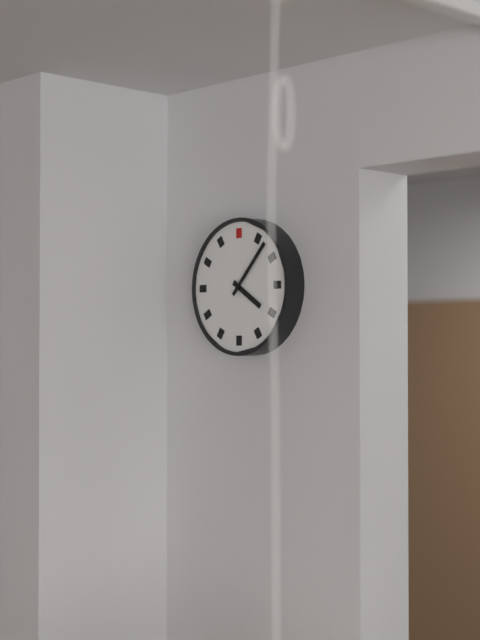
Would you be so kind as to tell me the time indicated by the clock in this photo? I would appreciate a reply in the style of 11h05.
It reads 4h07
